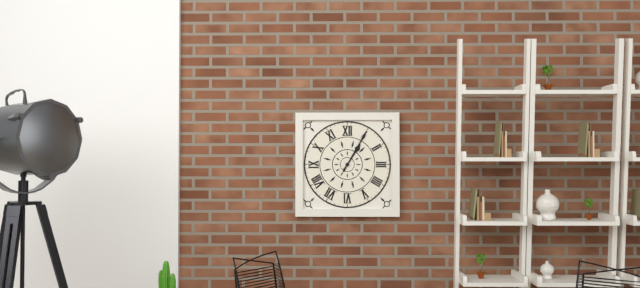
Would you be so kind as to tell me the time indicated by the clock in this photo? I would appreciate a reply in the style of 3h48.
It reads 1h05
